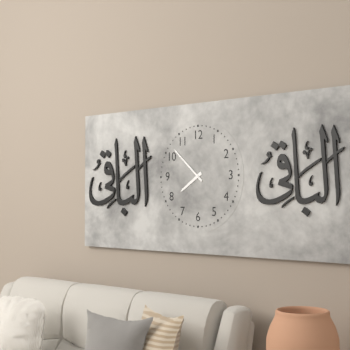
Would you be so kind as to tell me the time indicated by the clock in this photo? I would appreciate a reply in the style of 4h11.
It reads 7h52
